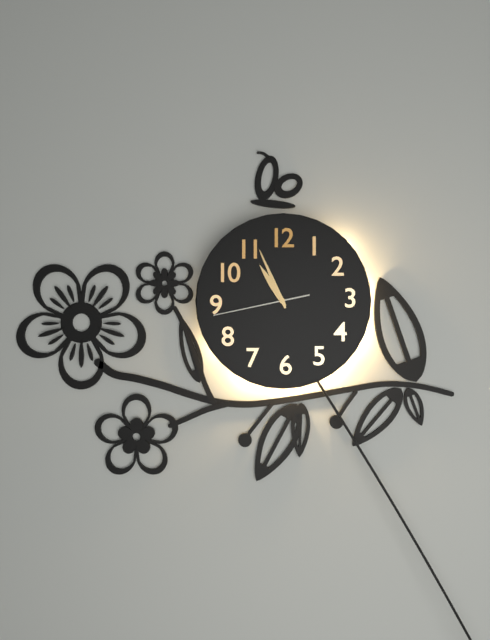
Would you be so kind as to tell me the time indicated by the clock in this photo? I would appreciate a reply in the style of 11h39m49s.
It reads 10h56m43s
